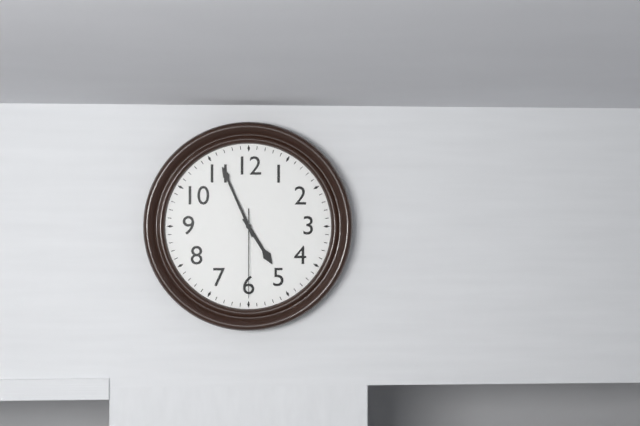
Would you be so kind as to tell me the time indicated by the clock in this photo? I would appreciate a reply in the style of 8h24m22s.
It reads 4h56m30s
